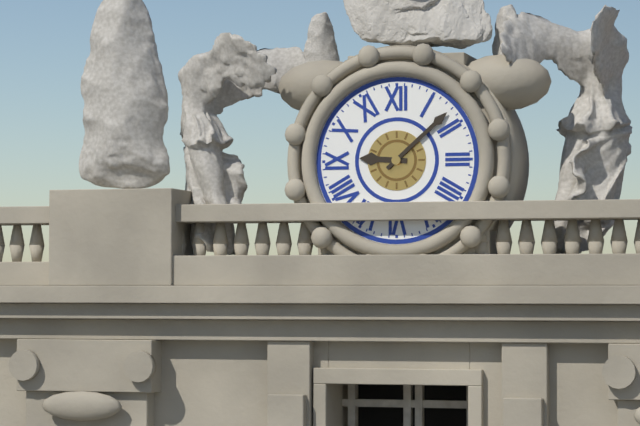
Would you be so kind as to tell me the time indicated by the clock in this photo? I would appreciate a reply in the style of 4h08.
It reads 9h08
